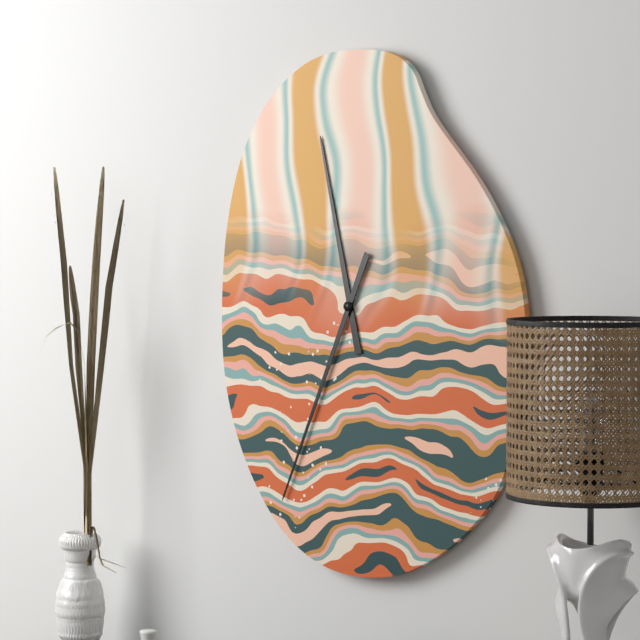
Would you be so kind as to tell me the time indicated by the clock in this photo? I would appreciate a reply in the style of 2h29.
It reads 11h34
